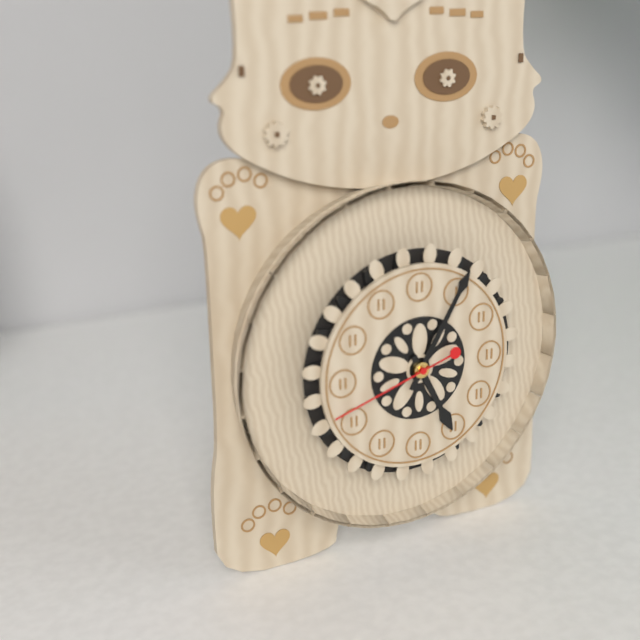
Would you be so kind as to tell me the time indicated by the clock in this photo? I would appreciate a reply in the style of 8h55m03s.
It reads 5h05m42s
